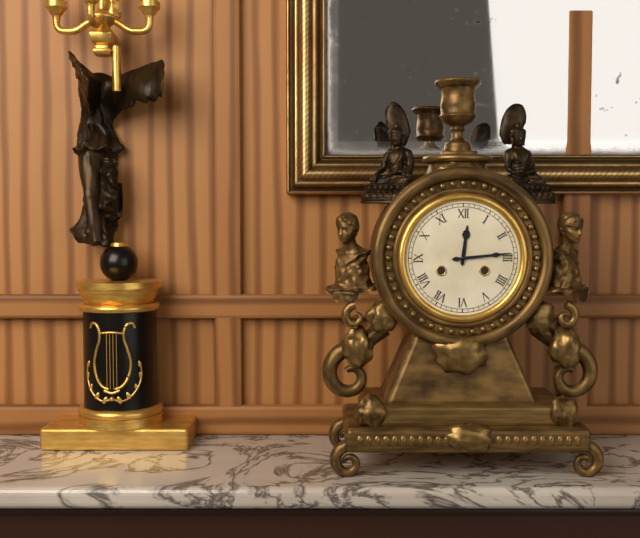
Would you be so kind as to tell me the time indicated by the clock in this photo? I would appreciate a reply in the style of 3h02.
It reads 12h14
